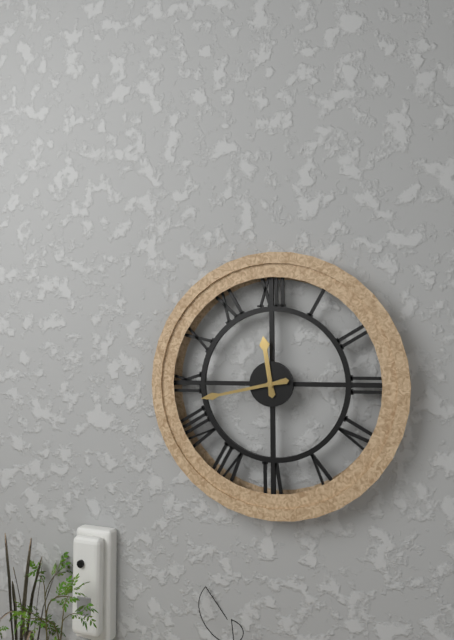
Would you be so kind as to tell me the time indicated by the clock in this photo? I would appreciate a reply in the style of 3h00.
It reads 11h43
